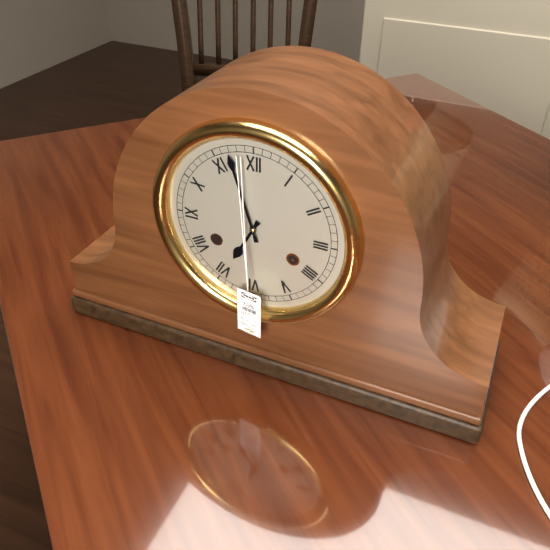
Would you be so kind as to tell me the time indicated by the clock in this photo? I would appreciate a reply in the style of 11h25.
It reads 6h57
